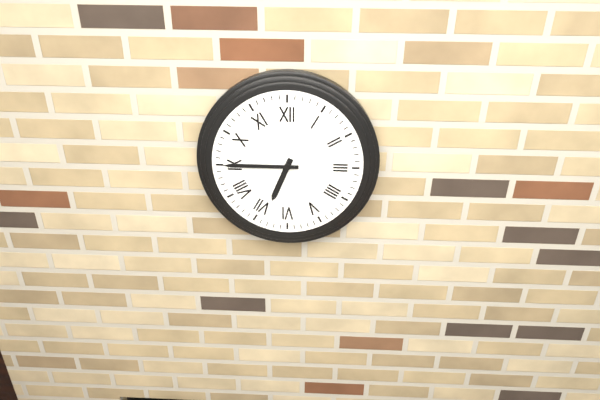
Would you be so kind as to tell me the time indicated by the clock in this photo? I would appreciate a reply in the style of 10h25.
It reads 6h45
